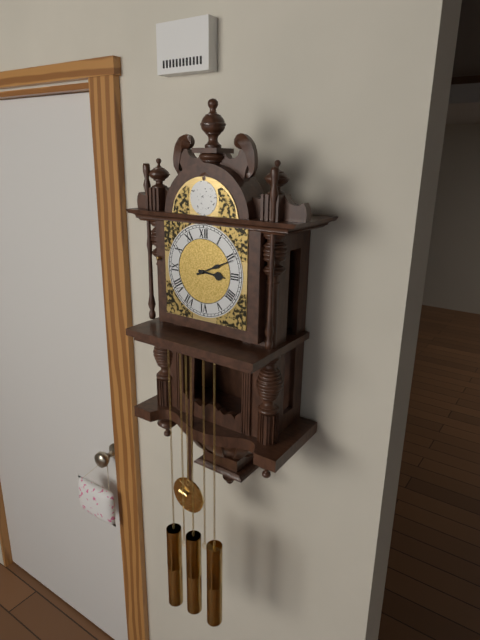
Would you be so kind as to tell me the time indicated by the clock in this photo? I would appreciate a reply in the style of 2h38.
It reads 3h11
